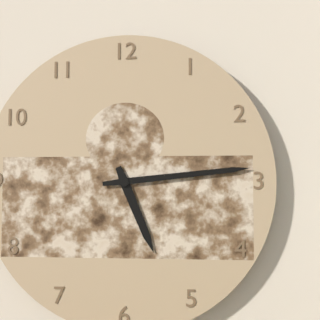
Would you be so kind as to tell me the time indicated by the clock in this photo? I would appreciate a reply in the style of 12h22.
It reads 5h14
